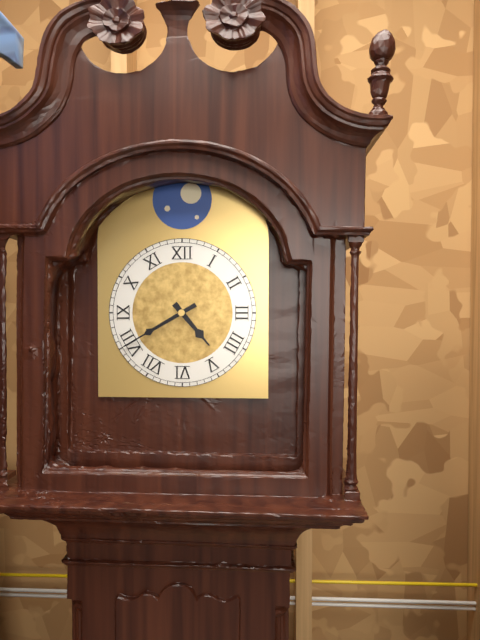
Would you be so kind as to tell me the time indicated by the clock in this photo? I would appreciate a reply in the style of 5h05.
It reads 4h40
